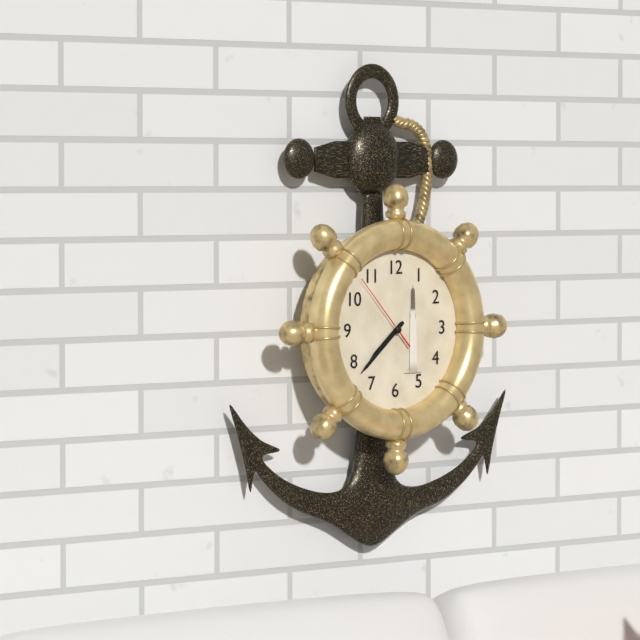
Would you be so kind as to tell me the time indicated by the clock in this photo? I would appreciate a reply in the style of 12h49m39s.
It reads 7h38m53s
